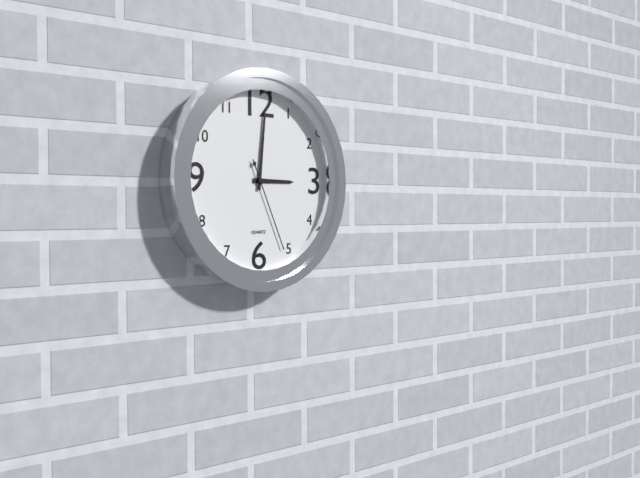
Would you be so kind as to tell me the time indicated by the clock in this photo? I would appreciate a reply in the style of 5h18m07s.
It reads 3h01m26s
